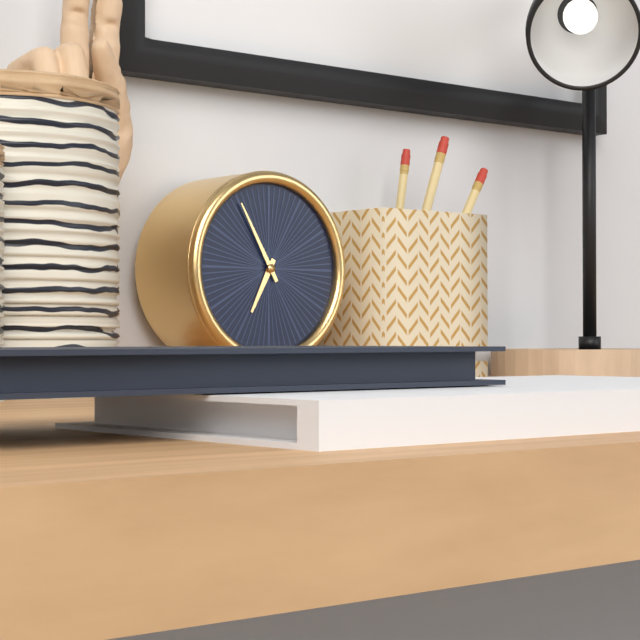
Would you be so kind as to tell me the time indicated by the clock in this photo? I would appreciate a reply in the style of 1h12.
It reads 6h55
